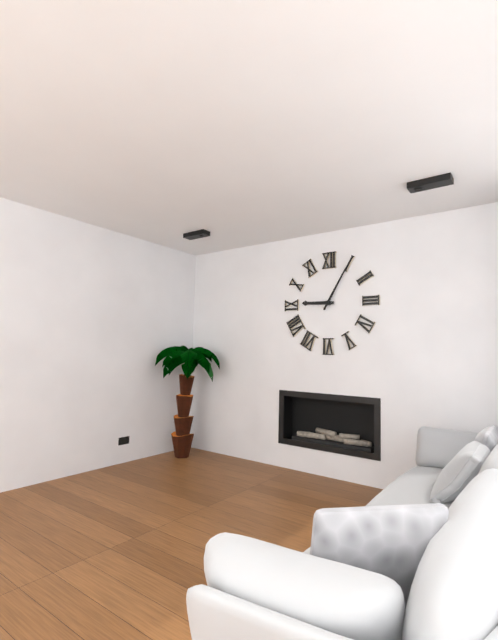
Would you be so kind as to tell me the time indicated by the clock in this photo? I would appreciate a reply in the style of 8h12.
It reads 9h05
